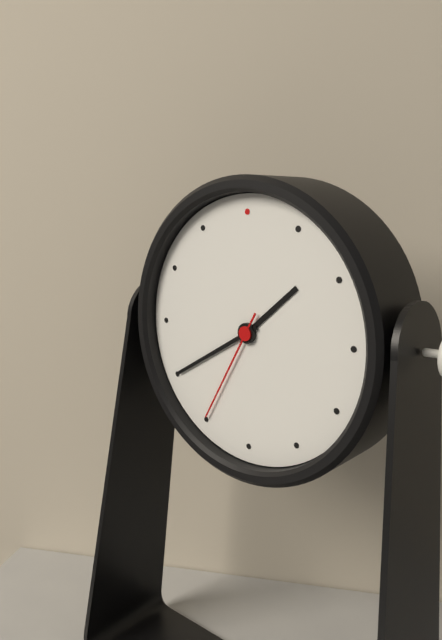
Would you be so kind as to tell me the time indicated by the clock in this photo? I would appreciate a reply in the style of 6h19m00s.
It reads 1h40m35s
